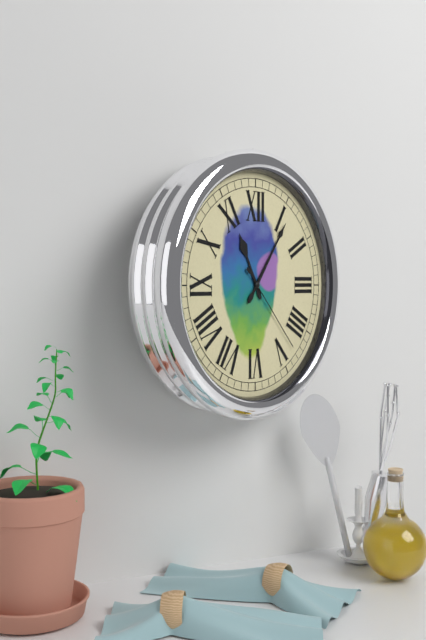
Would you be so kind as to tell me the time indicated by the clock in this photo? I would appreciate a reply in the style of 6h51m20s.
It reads 11h06m23s
